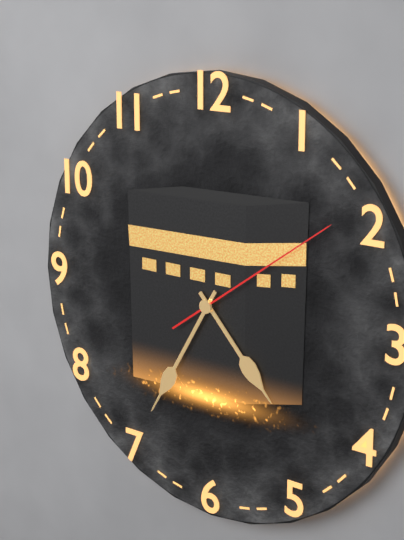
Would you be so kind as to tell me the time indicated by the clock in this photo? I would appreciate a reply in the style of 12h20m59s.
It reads 4h35m09s
